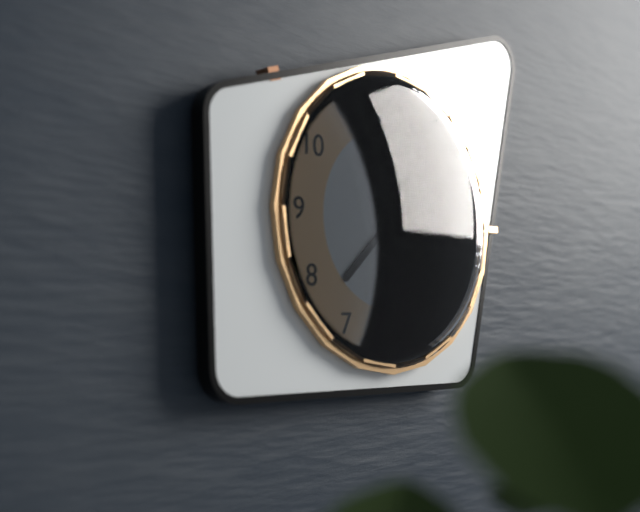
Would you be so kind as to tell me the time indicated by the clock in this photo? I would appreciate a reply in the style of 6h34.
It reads 7h32
